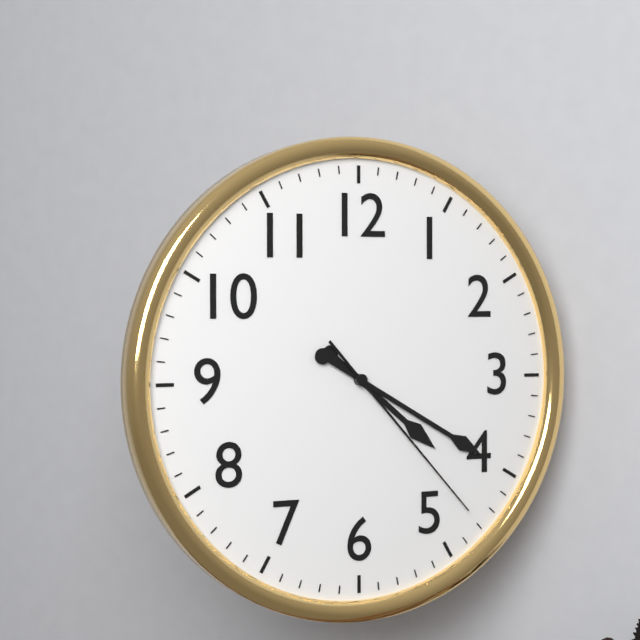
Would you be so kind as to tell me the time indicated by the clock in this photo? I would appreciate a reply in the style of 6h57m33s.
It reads 4h20m23s
